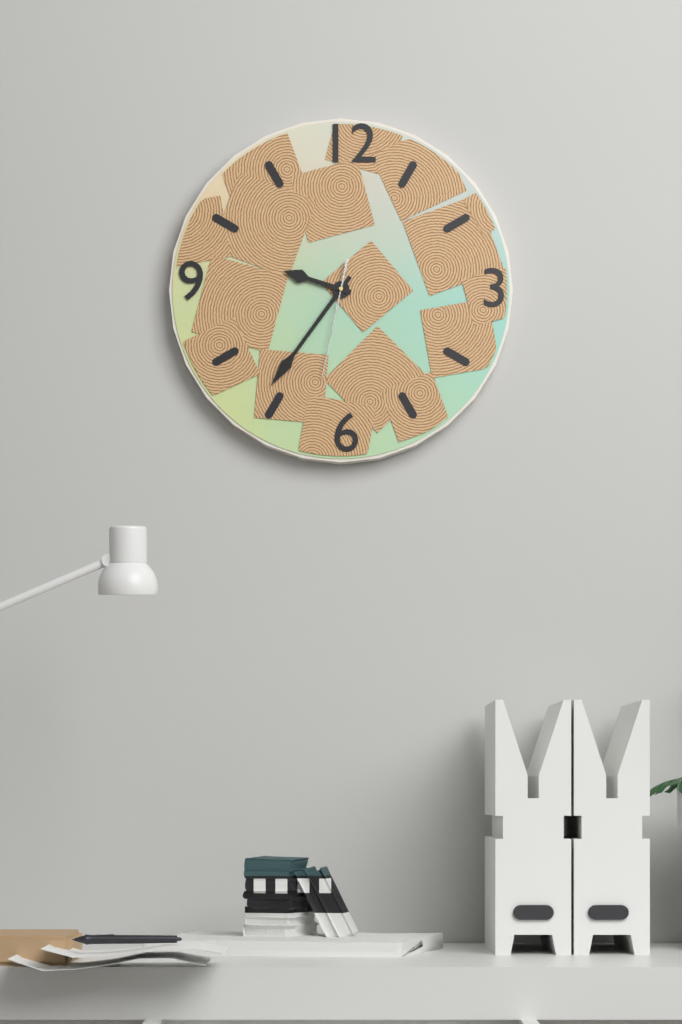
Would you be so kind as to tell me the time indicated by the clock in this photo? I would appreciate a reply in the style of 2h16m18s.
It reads 9h36m32s
